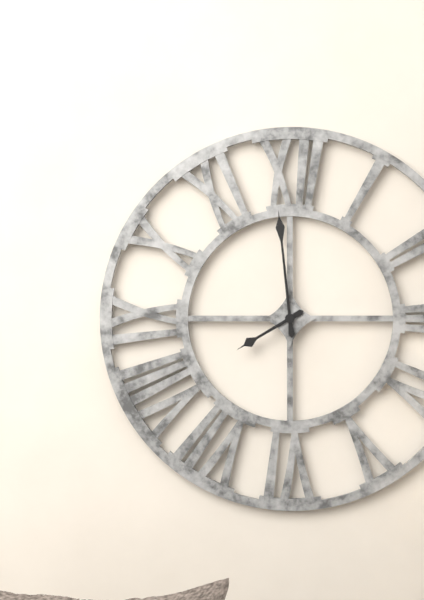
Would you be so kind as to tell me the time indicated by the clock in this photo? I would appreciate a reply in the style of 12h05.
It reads 7h59
